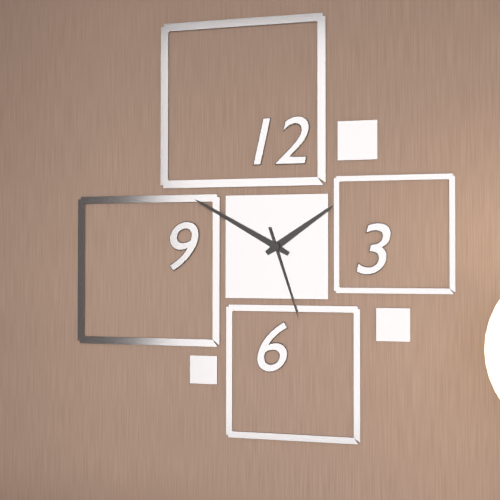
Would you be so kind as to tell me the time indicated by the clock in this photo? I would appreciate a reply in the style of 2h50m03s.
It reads 1h50m27s
